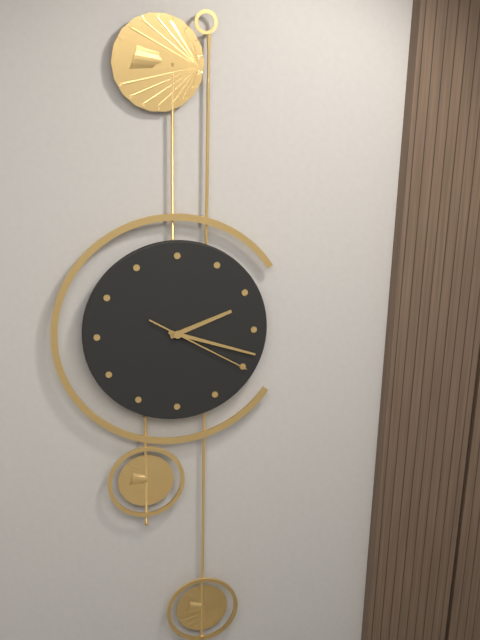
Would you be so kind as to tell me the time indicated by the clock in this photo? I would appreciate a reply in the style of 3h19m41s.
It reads 2h18m20s
